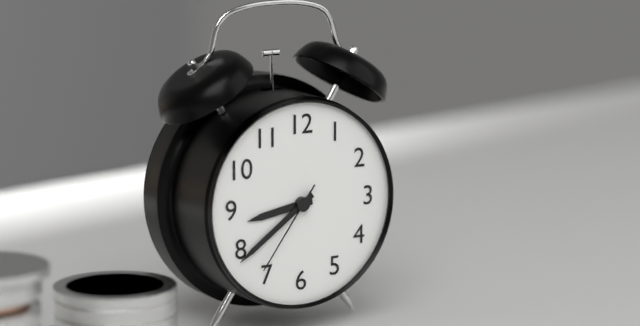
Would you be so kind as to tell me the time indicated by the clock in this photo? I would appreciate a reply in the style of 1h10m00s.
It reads 8h39m36s
